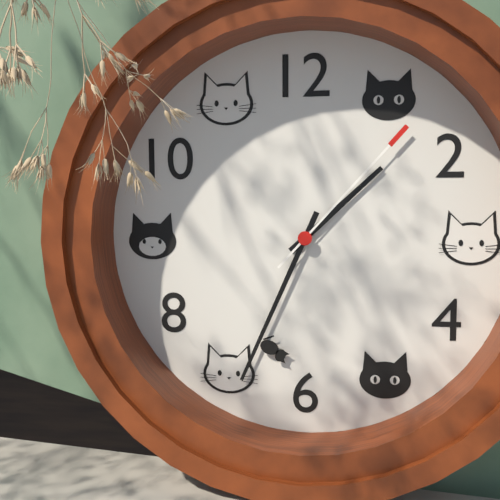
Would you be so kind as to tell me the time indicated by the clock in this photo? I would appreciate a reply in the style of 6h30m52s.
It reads 1h34m07s
